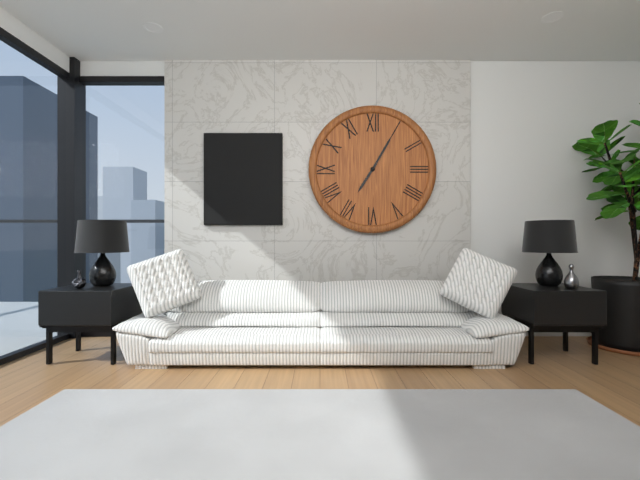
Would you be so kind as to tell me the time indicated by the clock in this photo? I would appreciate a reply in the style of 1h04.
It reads 7h05
